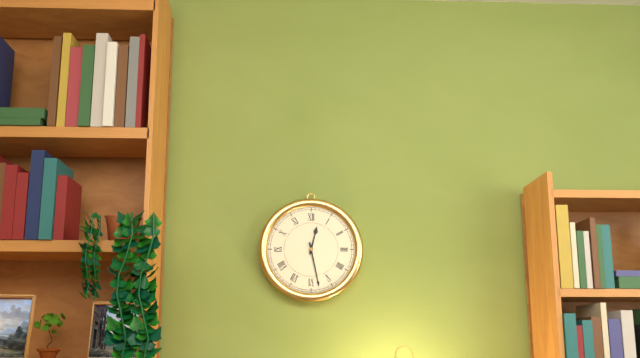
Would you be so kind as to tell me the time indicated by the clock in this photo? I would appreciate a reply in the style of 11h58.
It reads 12h28
